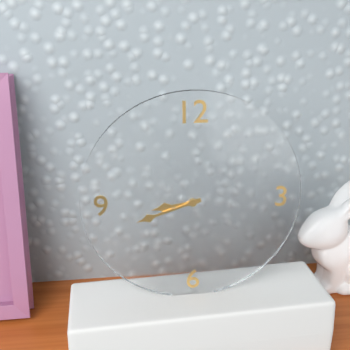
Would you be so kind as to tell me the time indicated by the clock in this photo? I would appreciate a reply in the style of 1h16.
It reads 8h42
